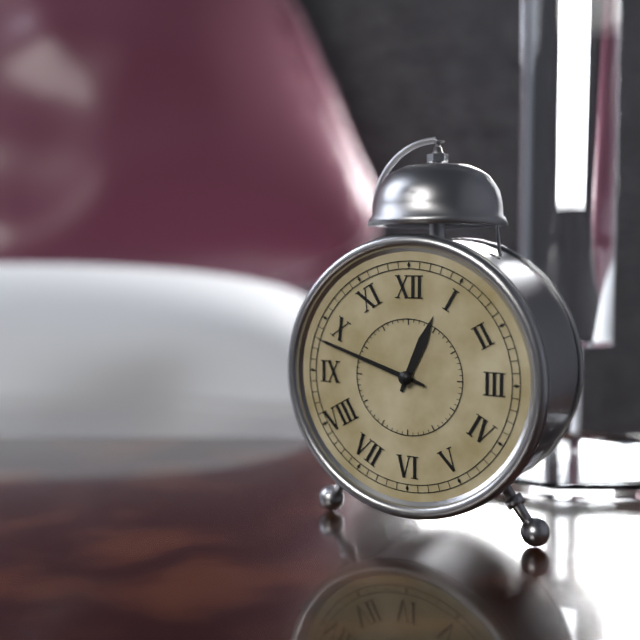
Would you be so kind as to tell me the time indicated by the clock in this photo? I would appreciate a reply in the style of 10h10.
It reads 12h48
